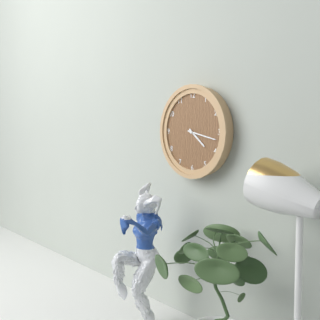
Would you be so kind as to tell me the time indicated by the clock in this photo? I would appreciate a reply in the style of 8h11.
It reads 4h17
